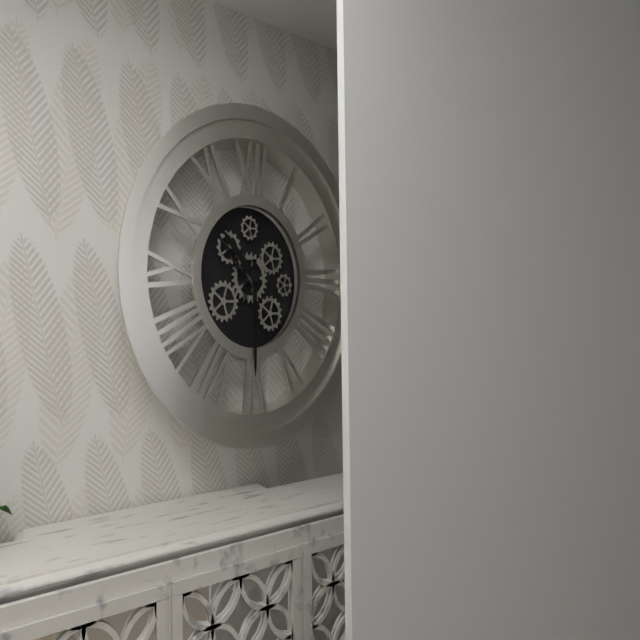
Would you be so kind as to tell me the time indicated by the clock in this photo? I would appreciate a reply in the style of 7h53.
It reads 10h30
